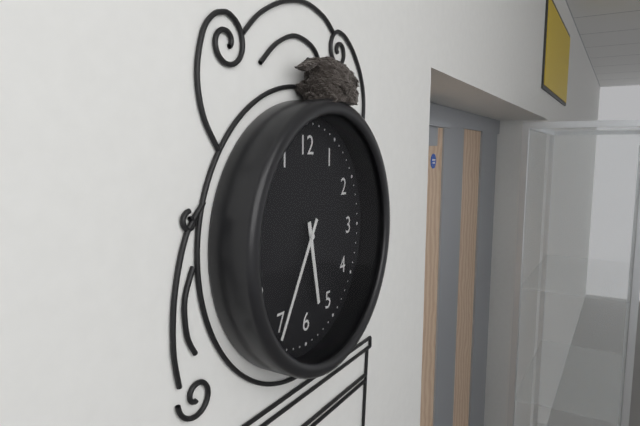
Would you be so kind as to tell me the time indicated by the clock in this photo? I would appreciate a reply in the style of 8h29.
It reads 5h35
